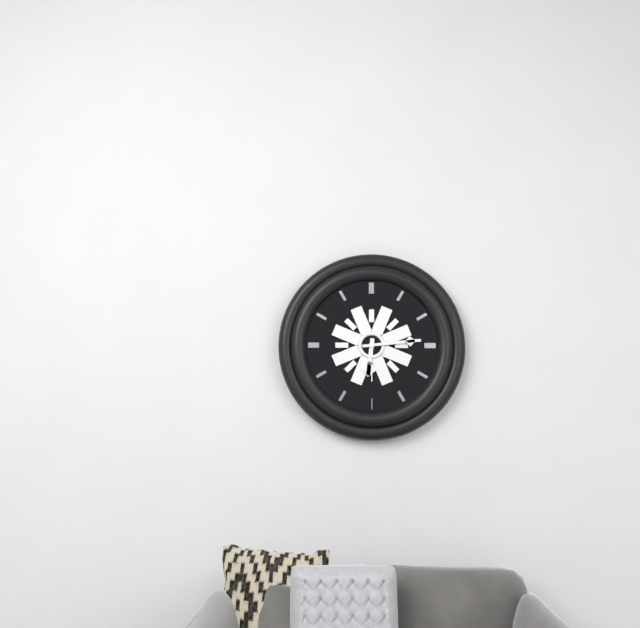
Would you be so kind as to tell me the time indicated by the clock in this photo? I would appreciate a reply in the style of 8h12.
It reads 6h14
